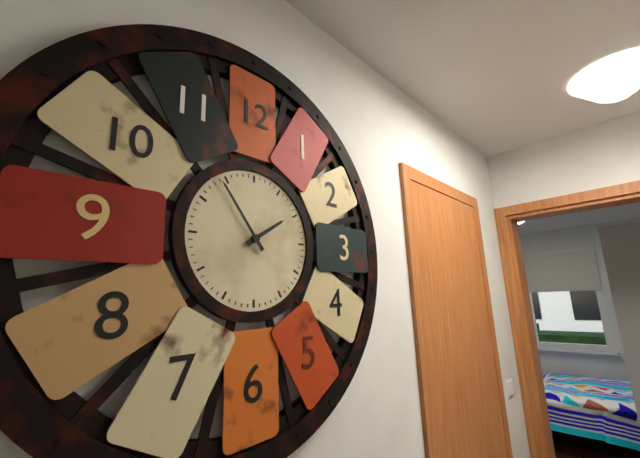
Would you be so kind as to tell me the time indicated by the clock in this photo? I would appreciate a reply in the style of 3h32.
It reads 1h54
